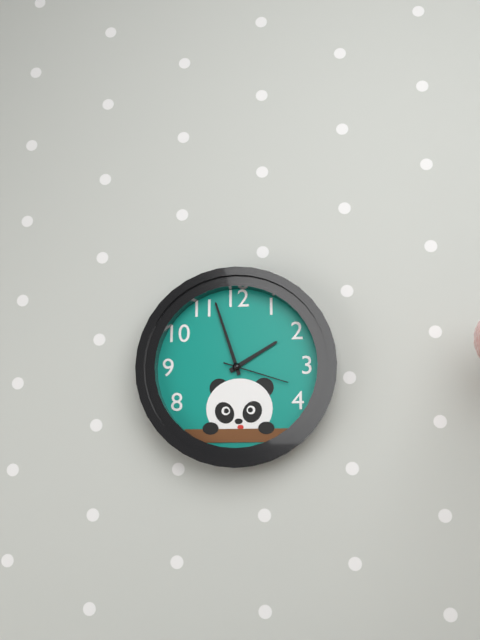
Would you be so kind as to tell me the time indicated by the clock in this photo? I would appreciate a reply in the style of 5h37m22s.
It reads 1h57m18s
